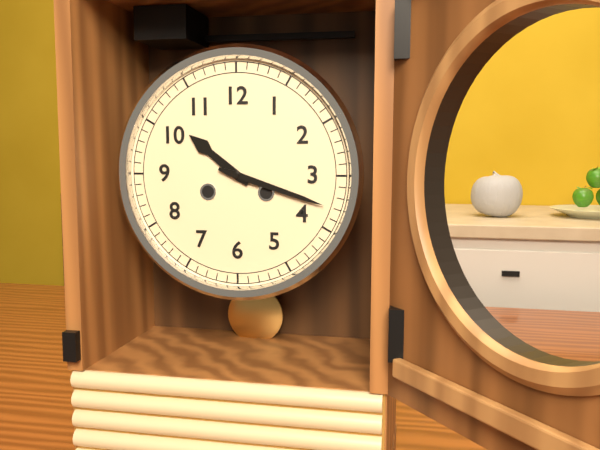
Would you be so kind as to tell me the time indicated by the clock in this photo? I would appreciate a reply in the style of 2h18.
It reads 10h18
